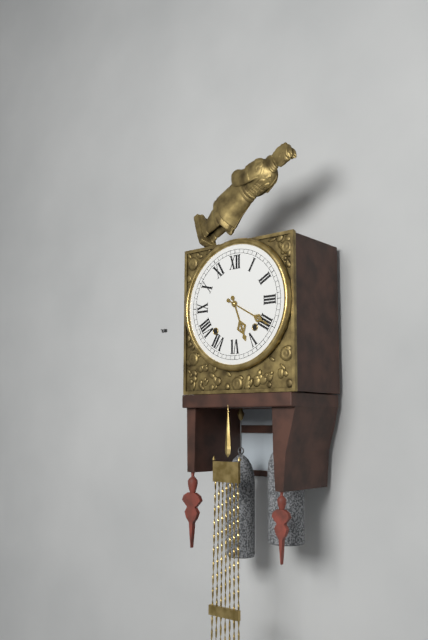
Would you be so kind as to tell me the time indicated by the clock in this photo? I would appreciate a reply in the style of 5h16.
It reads 5h20
